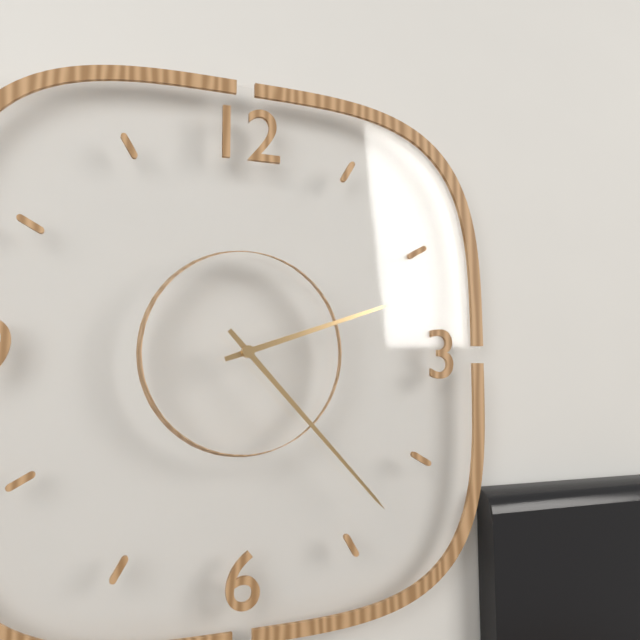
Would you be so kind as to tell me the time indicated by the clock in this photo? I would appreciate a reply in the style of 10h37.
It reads 2h23
